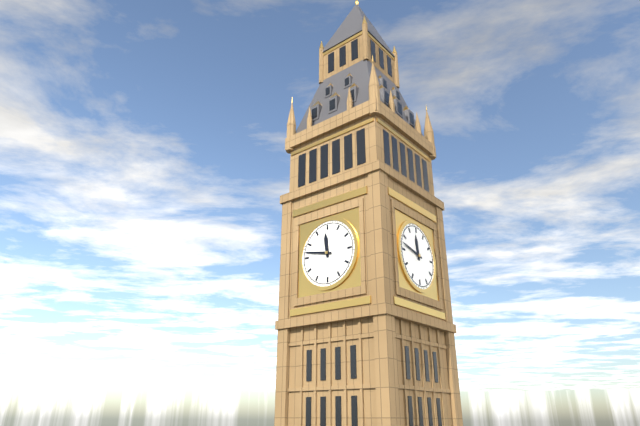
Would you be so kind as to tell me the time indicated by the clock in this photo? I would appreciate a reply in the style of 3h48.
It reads 11h47
